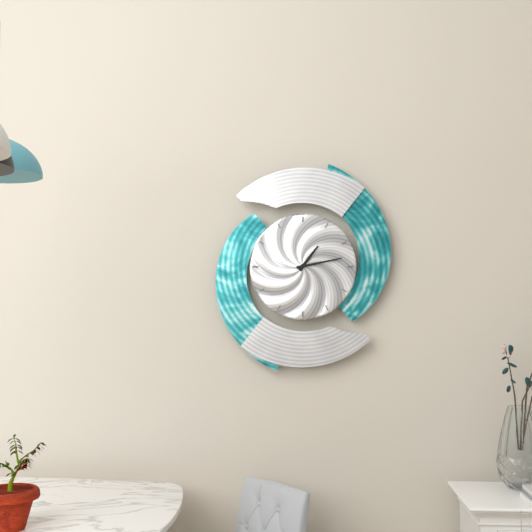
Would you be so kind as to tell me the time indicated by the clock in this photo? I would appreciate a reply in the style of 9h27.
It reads 1h13
